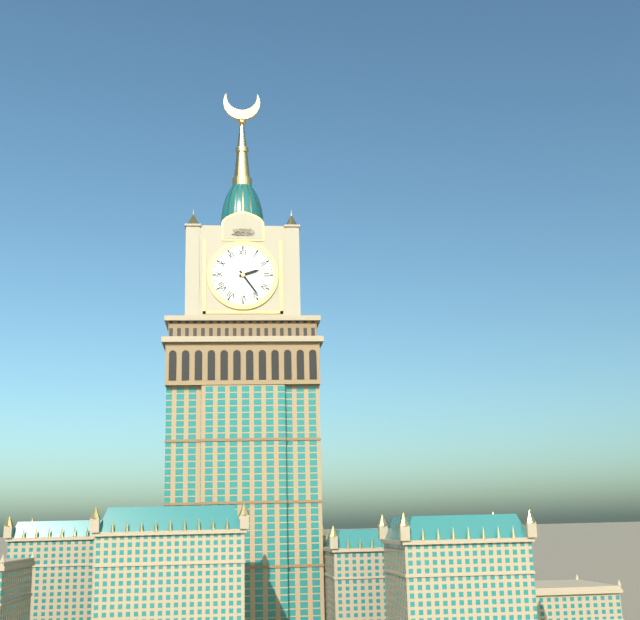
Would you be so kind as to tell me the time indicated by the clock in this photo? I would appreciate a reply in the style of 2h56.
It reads 2h24
